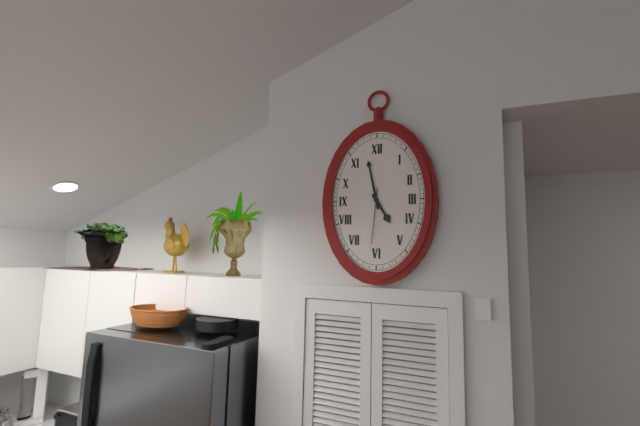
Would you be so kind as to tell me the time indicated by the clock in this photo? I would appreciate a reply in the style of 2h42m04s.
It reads 4h58m31s
